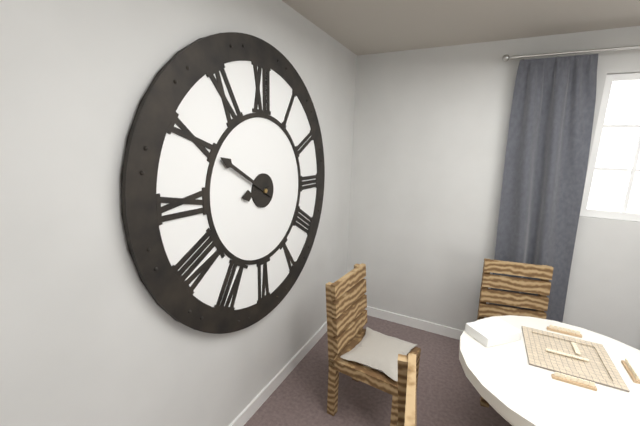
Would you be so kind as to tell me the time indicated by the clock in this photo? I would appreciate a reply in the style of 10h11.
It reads 8h50
